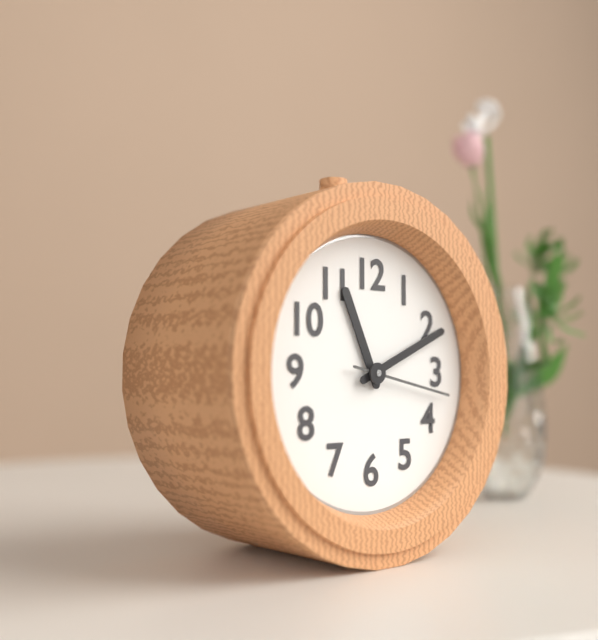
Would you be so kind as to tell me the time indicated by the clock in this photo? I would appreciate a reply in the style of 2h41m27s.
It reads 11h11m17s
